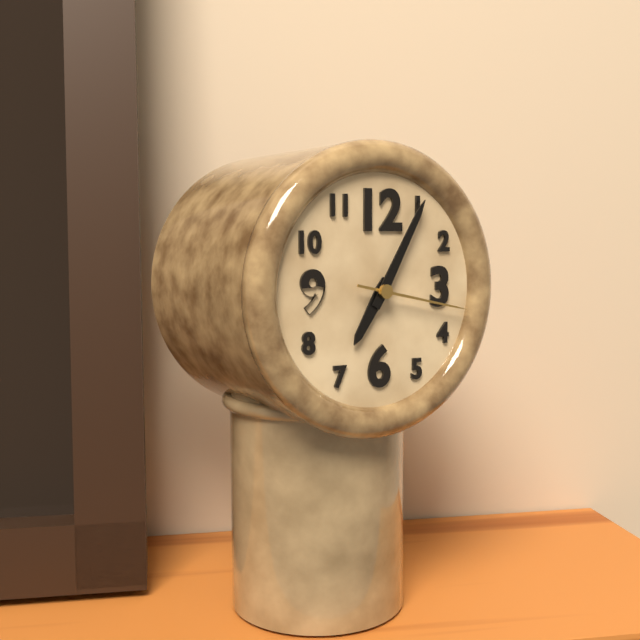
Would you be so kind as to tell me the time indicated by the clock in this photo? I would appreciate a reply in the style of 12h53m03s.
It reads 7h05m17s
